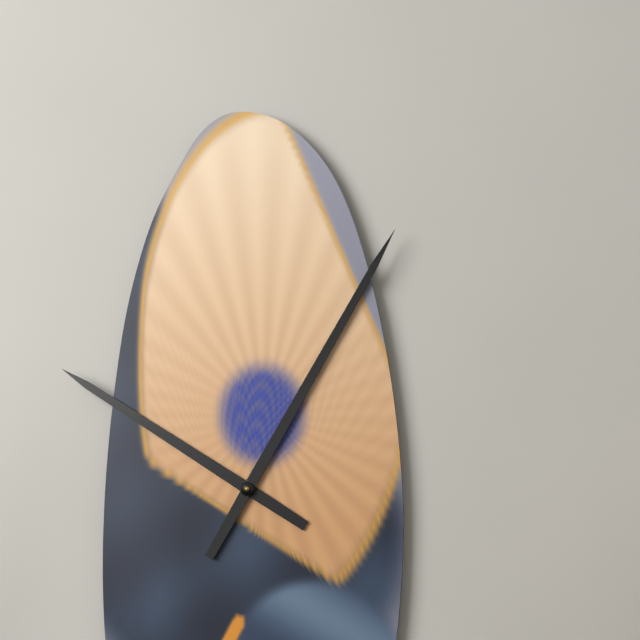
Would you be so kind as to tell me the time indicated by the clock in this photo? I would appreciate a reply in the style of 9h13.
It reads 10h05
